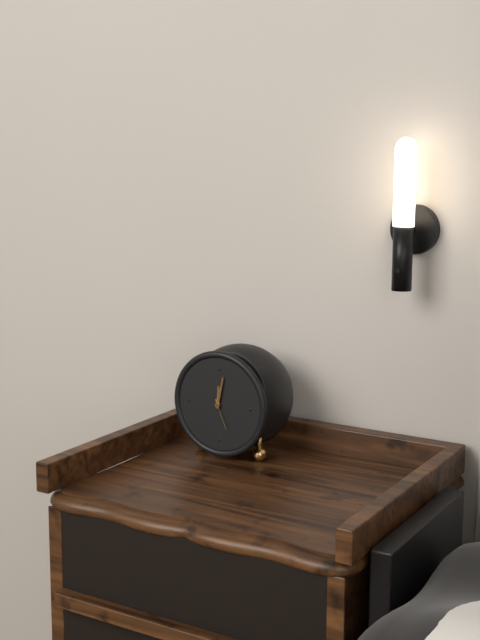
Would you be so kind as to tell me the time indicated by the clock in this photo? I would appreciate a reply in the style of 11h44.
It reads 12h02
